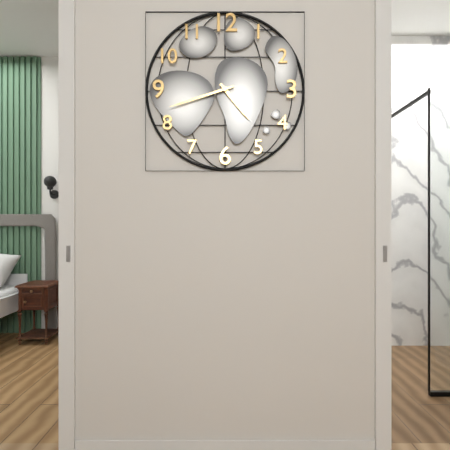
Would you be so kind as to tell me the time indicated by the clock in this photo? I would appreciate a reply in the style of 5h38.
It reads 4h42
